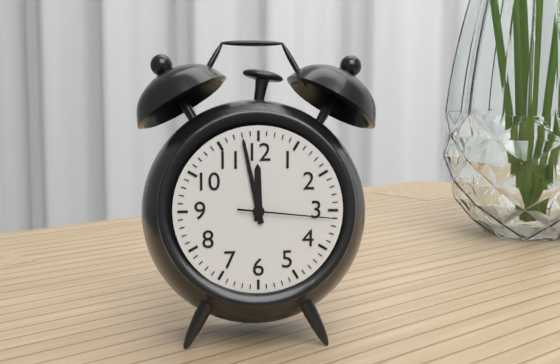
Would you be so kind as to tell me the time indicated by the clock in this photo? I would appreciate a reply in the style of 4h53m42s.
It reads 11h58m16s
